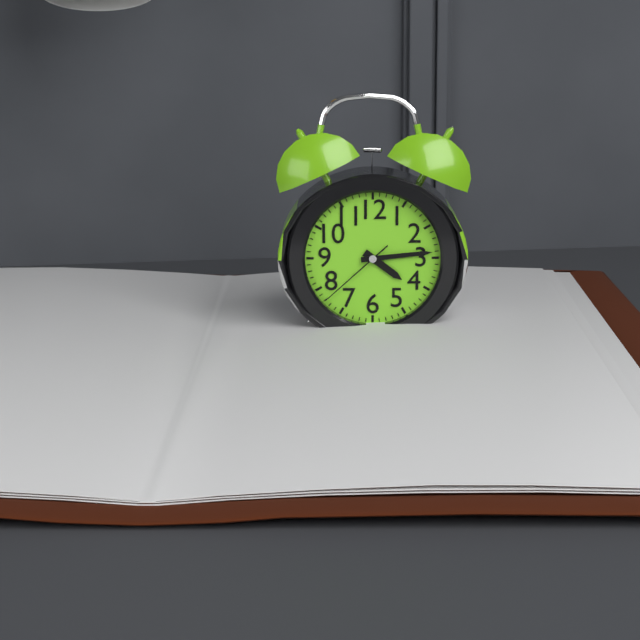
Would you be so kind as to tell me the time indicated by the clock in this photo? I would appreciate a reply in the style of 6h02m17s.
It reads 4h14m38s
